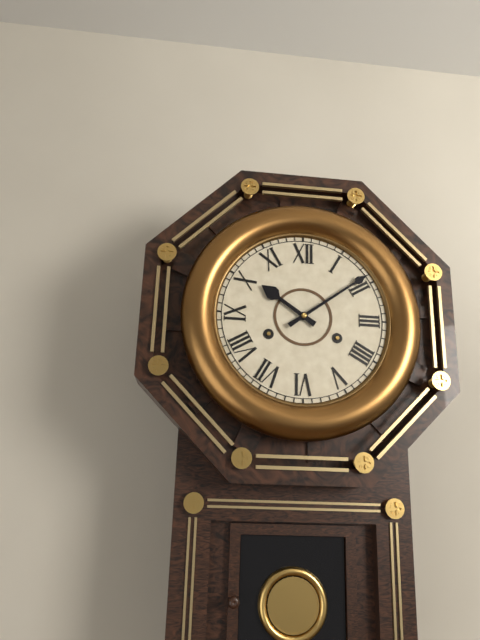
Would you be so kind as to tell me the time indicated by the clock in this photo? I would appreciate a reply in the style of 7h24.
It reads 10h09
